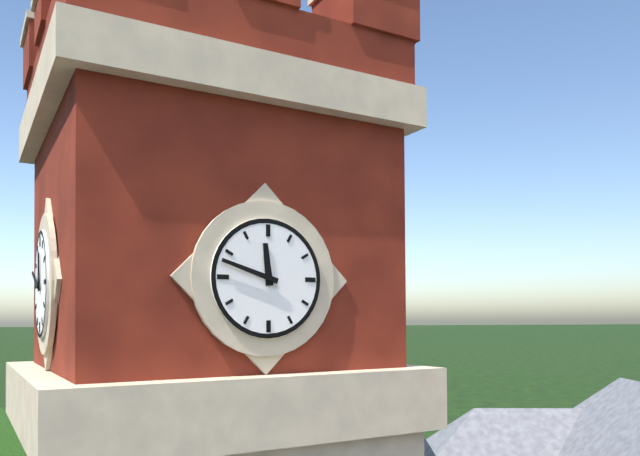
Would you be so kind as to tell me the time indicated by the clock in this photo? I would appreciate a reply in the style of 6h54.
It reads 11h48
